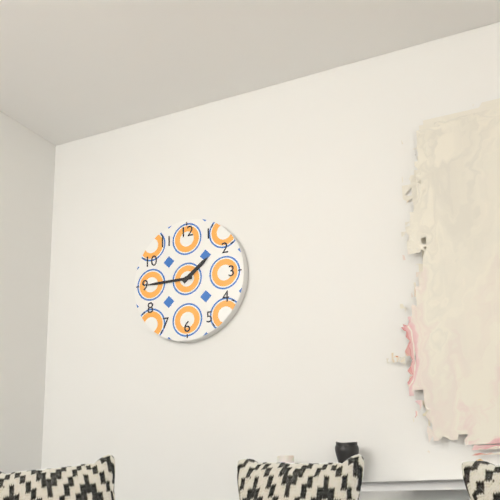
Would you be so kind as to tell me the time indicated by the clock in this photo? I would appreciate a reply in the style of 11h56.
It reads 1h45
